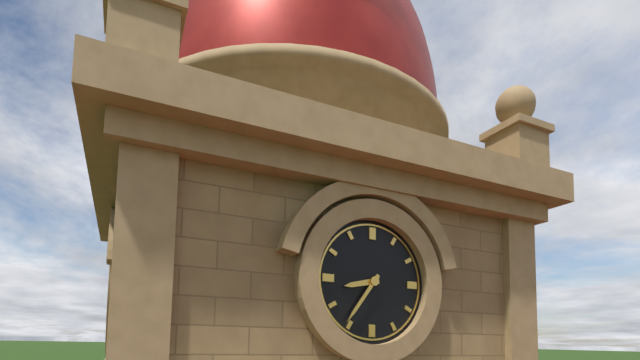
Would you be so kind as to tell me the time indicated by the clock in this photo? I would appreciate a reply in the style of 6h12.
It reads 8h36
